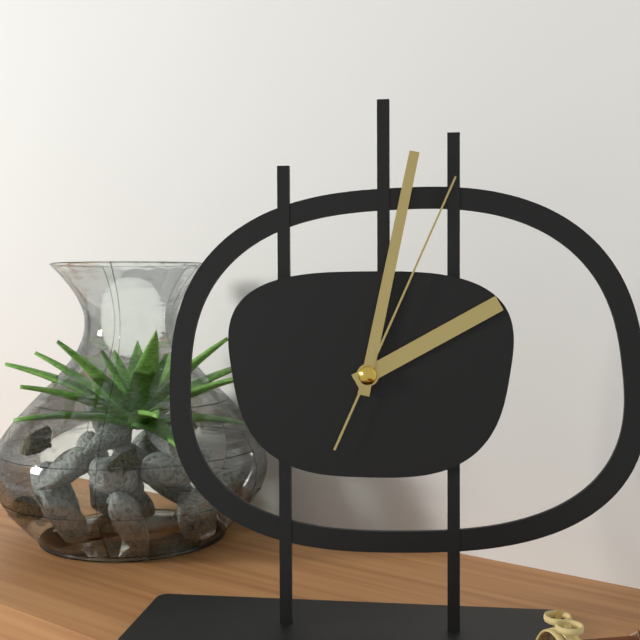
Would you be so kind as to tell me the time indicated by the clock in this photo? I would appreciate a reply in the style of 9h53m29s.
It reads 2h02m04s
